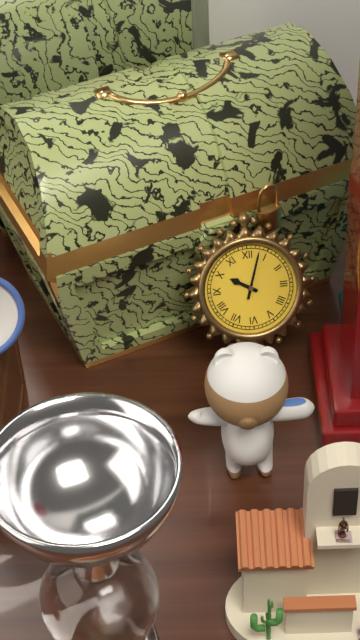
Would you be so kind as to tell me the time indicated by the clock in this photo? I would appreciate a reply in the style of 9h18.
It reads 10h03
